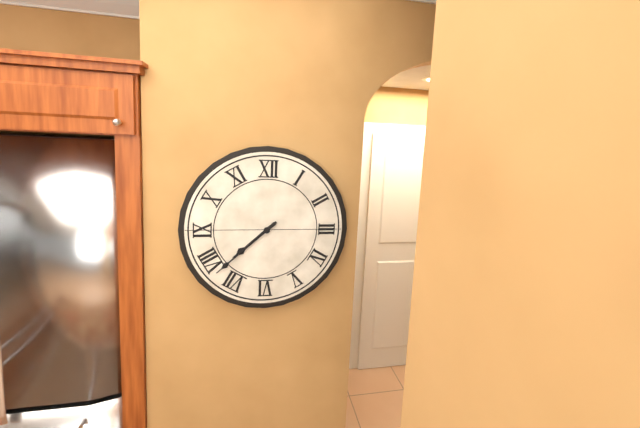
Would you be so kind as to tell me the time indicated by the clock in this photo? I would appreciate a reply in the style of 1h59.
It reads 7h38
